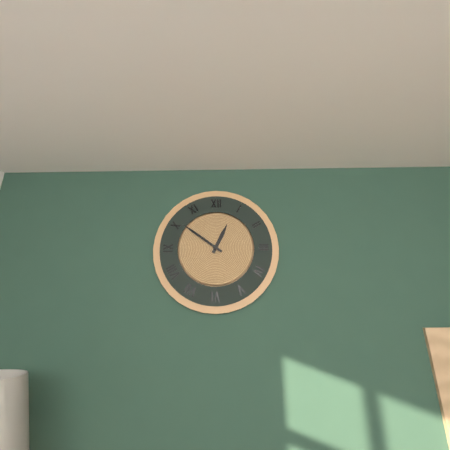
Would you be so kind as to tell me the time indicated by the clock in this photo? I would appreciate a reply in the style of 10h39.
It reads 12h51
